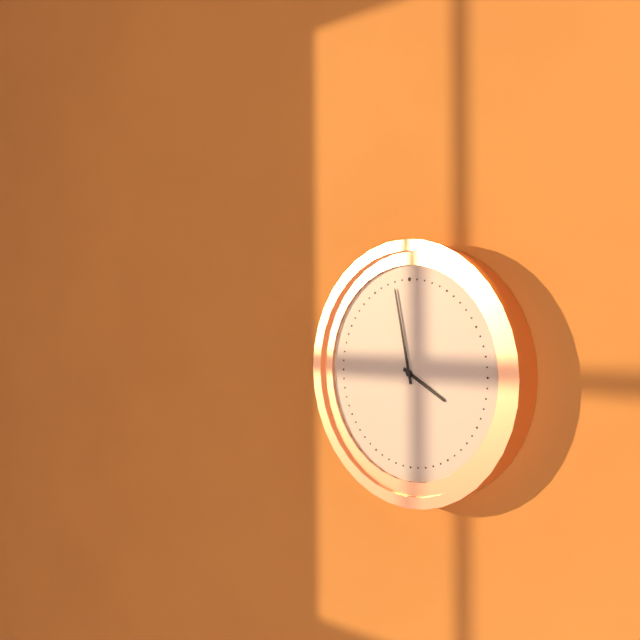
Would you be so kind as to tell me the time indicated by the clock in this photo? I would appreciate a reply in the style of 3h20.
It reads 3h58
